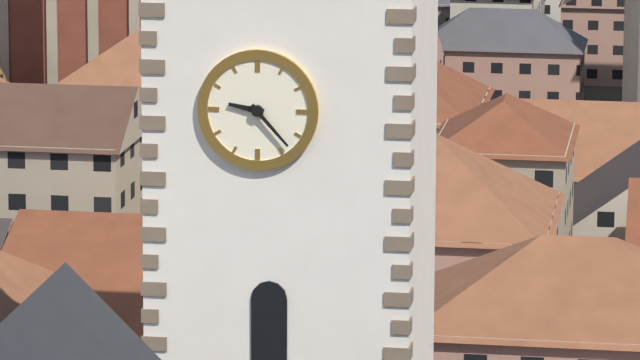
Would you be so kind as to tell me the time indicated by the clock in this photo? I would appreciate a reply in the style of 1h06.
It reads 9h23
